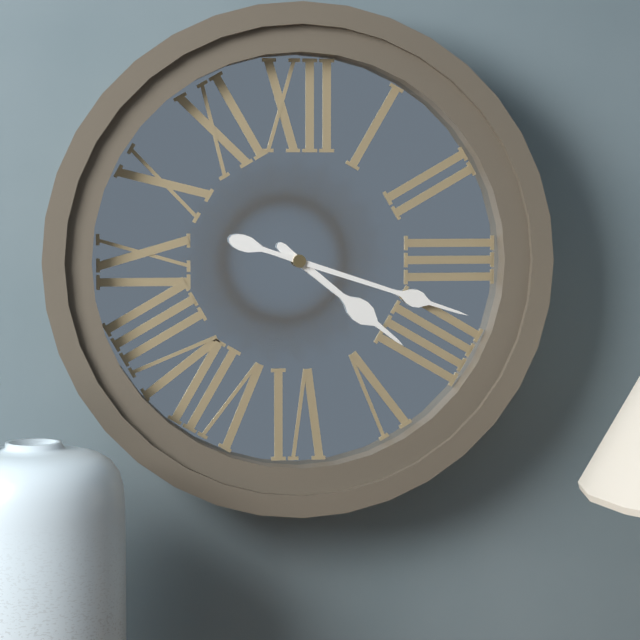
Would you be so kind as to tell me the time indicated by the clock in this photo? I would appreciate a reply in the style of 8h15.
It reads 4h18
